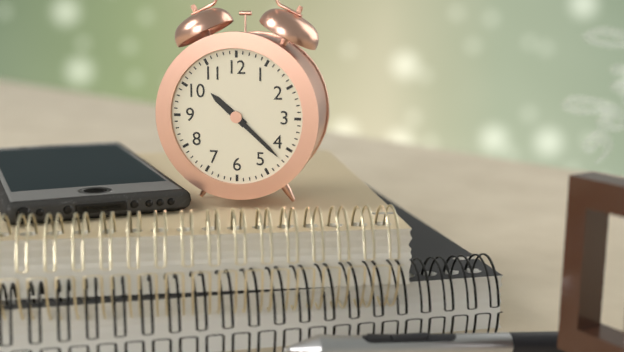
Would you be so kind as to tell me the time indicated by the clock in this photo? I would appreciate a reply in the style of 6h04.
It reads 10h22
